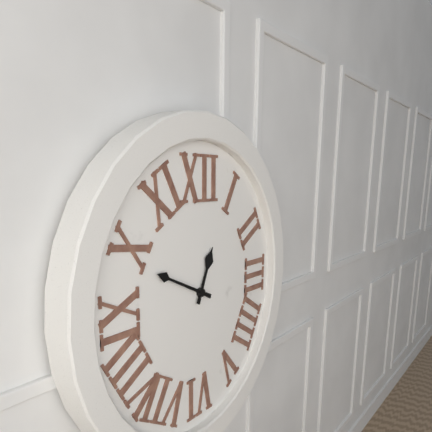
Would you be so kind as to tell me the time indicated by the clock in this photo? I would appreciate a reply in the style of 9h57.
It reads 12h49
